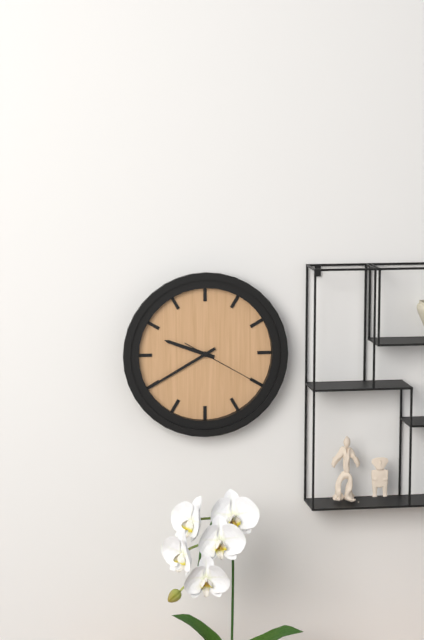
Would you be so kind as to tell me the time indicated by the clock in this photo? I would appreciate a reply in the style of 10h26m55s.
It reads 9h40m20s
